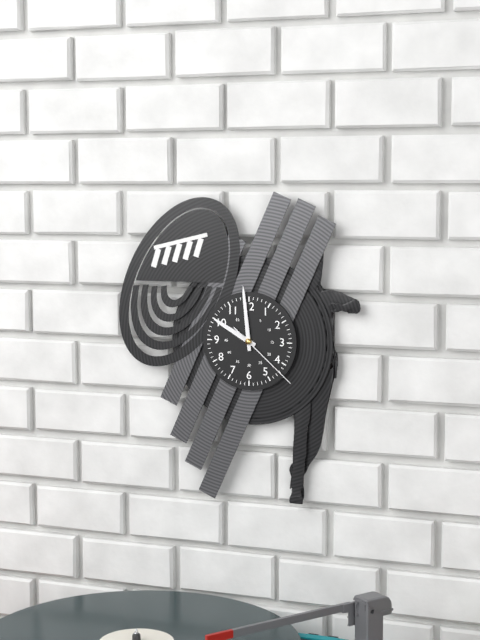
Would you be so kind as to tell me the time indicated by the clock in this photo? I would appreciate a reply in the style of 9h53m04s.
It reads 9h59m22s
